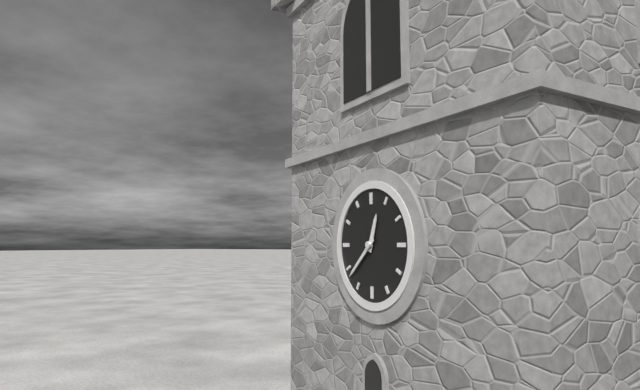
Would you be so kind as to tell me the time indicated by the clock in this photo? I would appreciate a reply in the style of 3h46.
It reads 12h38
